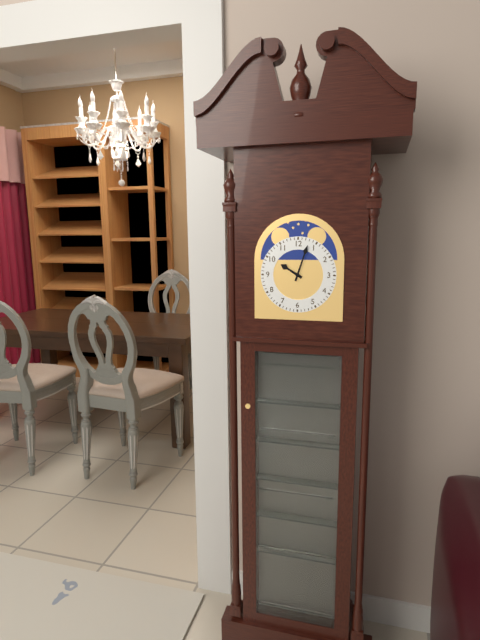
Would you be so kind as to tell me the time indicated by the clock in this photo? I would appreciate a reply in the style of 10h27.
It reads 10h03
